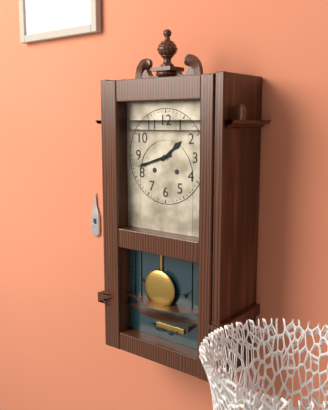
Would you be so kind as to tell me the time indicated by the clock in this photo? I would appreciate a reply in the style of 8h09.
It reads 1h42
